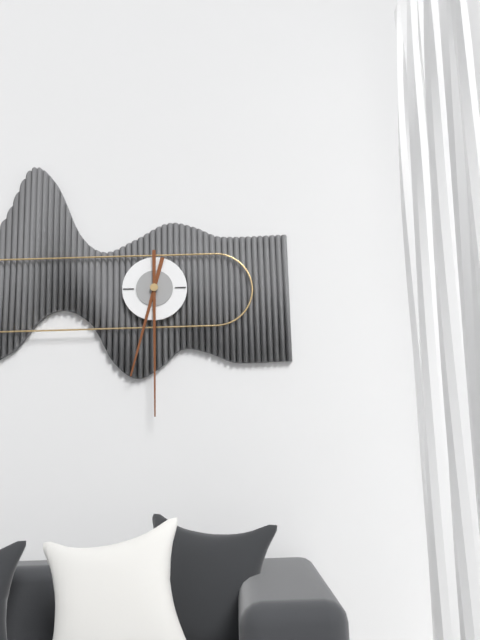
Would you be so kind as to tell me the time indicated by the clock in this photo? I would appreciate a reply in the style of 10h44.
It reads 6h30
